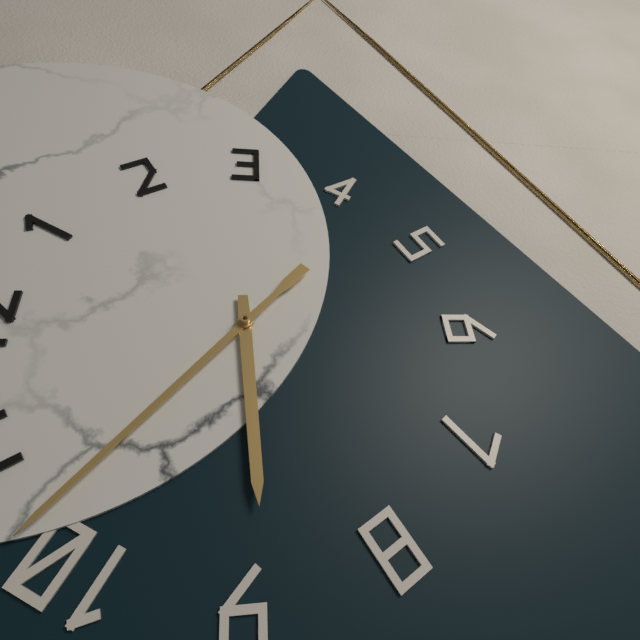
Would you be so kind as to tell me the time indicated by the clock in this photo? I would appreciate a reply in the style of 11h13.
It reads 8h52
